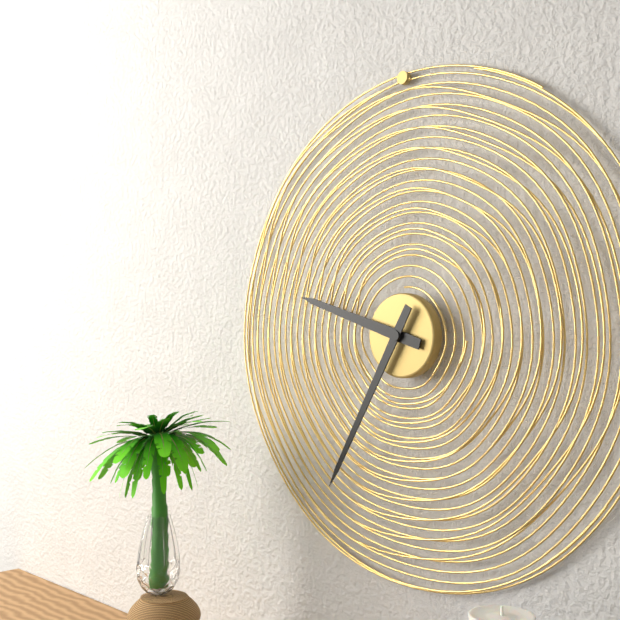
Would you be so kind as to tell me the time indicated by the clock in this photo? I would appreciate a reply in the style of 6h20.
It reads 9h35
